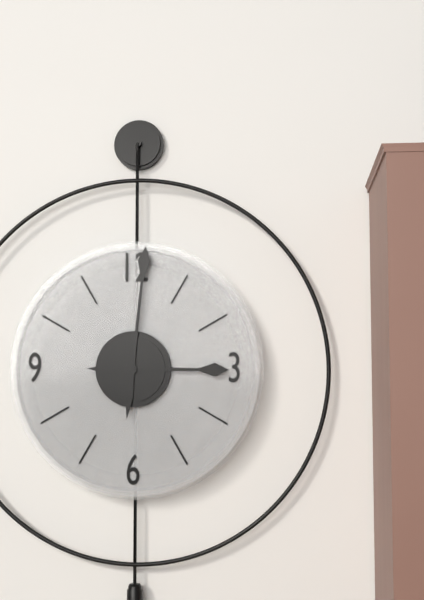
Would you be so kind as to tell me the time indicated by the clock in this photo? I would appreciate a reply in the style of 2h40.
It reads 3h01
